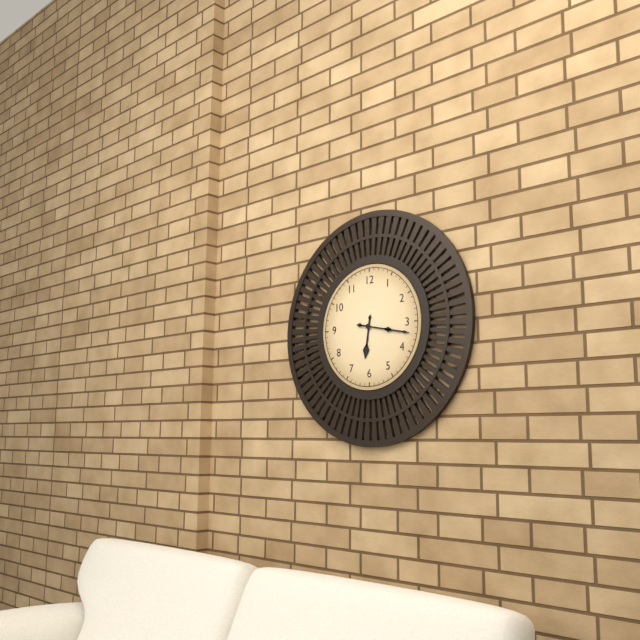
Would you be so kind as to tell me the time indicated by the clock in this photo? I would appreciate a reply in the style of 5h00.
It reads 6h17
